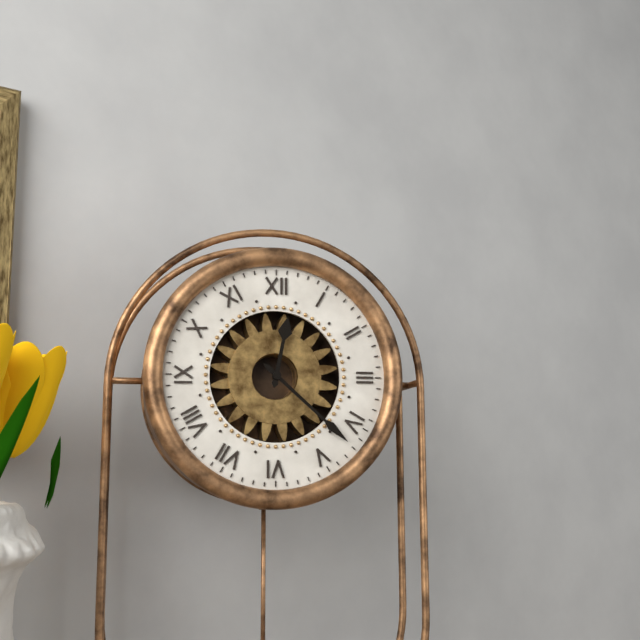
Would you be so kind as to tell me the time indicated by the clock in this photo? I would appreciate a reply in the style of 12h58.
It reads 12h22
